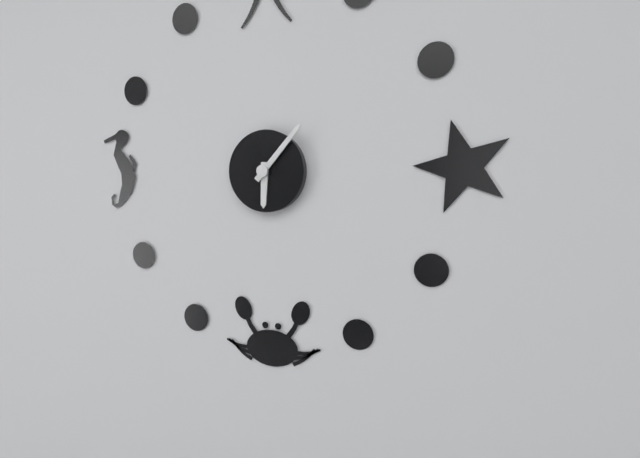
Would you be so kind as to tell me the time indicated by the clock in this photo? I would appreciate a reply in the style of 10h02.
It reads 6h07
